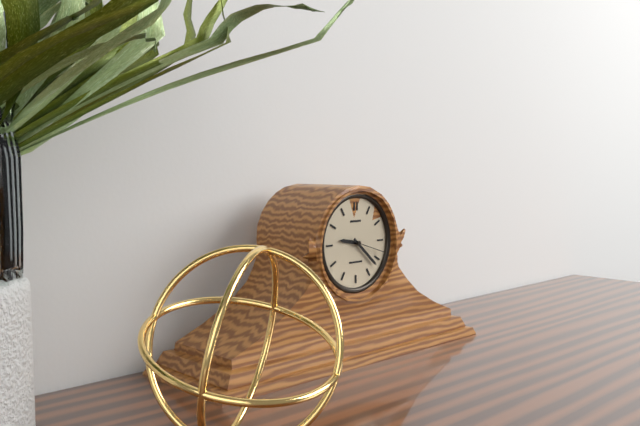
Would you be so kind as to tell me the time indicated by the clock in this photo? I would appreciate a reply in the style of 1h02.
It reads 9h22
